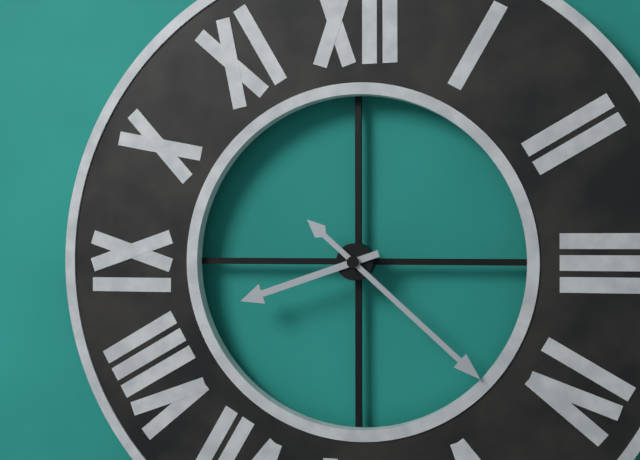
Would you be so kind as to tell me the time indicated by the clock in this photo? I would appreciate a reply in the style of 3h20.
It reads 8h22
